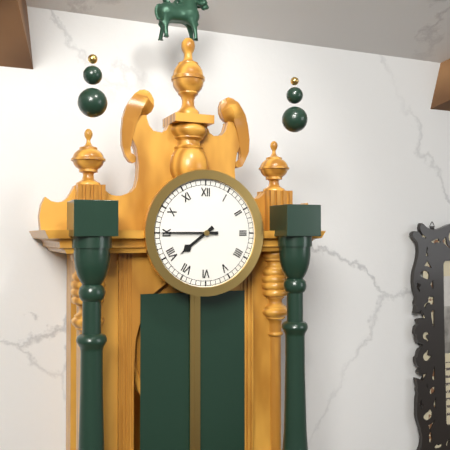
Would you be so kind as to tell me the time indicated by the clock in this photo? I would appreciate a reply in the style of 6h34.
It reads 7h45
